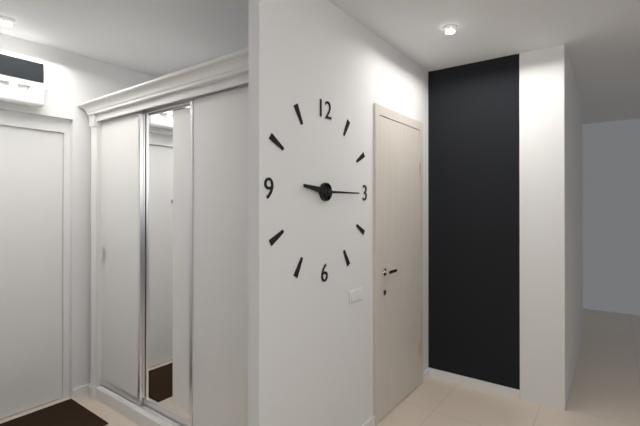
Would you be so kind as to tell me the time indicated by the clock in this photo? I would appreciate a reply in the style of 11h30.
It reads 9h15
